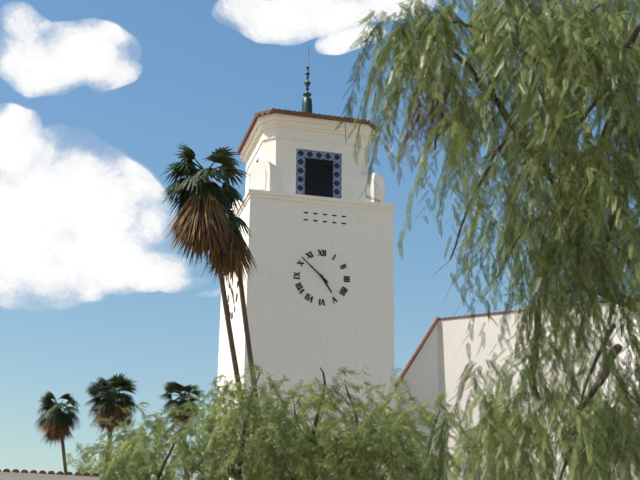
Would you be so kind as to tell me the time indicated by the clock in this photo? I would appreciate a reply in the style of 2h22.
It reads 4h52
